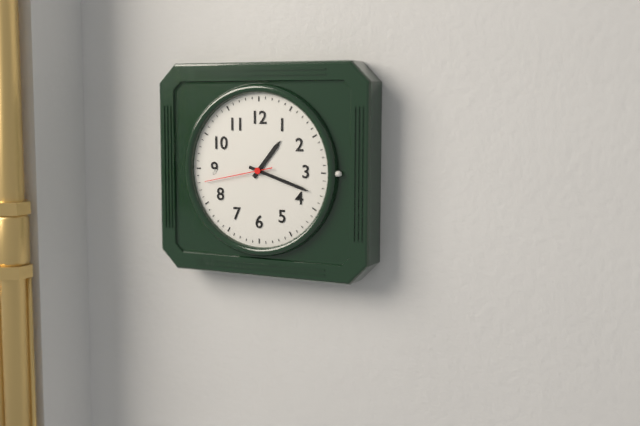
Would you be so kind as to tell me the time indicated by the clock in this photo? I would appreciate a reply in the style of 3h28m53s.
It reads 1h18m43s
